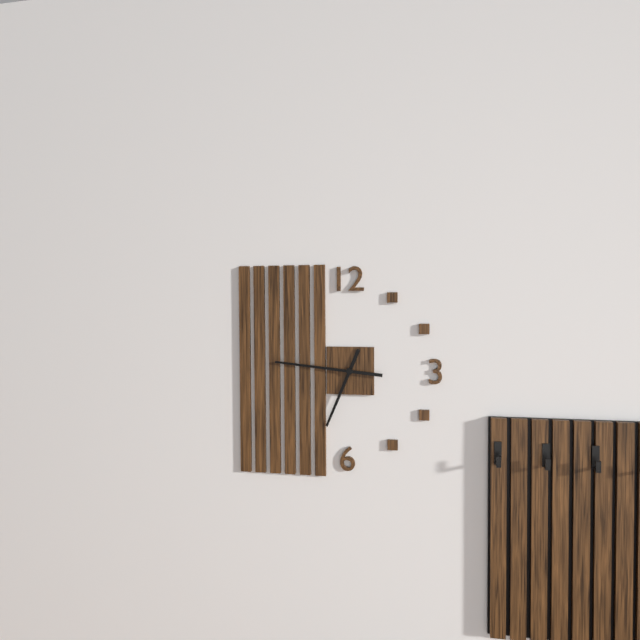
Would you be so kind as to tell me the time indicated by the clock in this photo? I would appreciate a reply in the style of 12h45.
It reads 6h46
